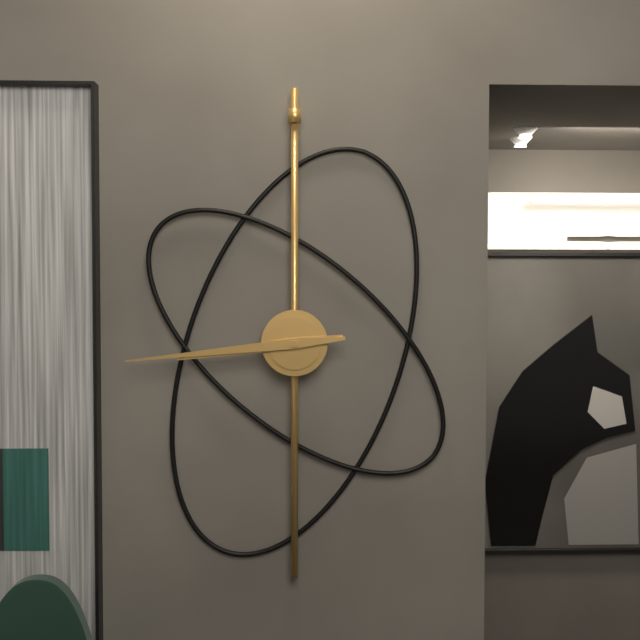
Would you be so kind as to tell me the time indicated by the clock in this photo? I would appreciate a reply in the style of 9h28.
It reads 8h44
